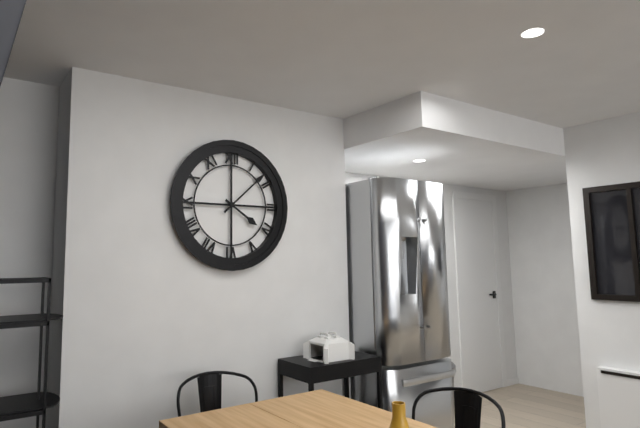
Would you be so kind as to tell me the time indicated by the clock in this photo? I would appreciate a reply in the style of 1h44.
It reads 4h08
